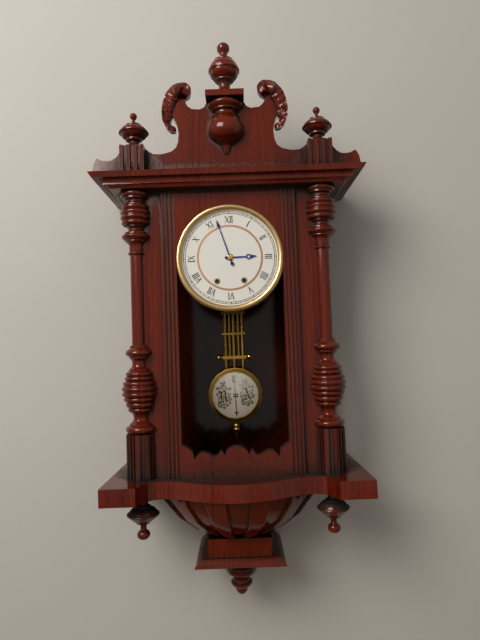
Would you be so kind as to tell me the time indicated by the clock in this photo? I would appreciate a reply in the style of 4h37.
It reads 2h57
